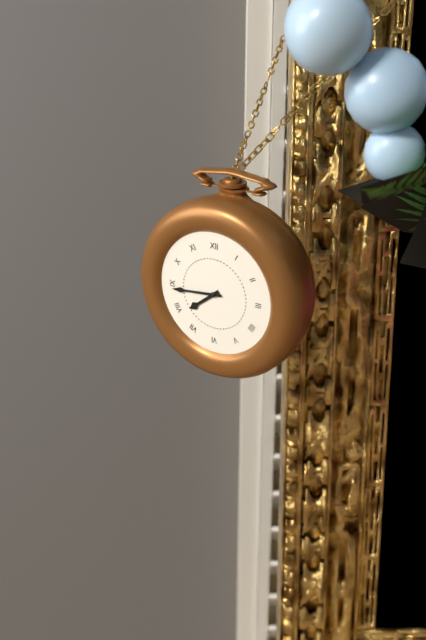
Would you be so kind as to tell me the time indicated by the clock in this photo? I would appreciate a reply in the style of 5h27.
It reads 7h44
